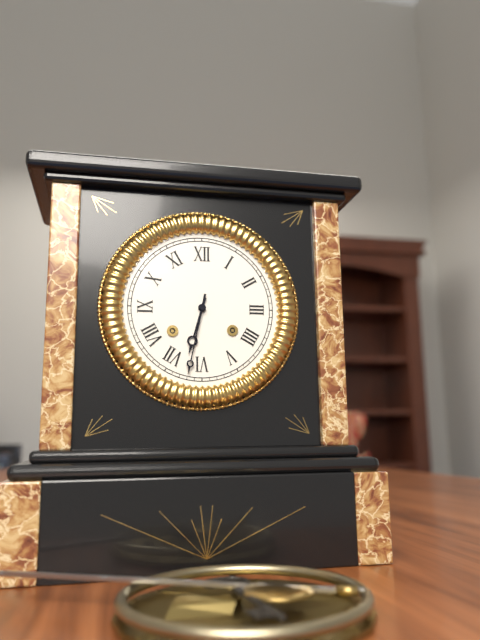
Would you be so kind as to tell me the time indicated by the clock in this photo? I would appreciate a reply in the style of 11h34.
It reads 6h32
